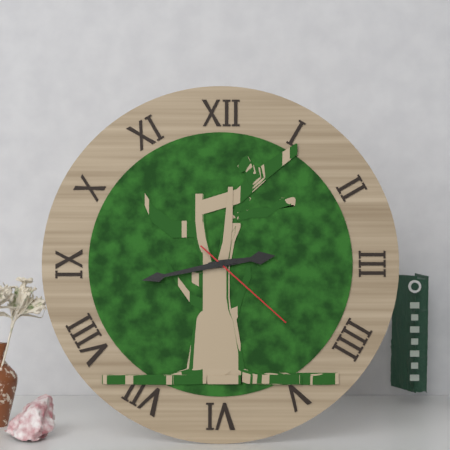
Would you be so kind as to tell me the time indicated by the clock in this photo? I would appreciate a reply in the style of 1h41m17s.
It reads 2h43m22s
